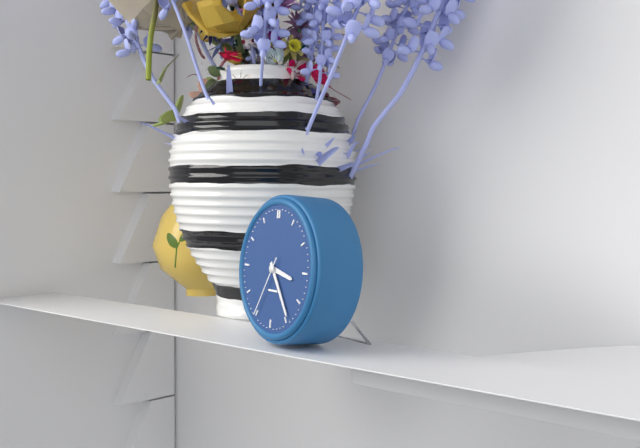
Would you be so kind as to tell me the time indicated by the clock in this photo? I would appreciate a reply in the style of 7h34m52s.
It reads 3h24m35s
